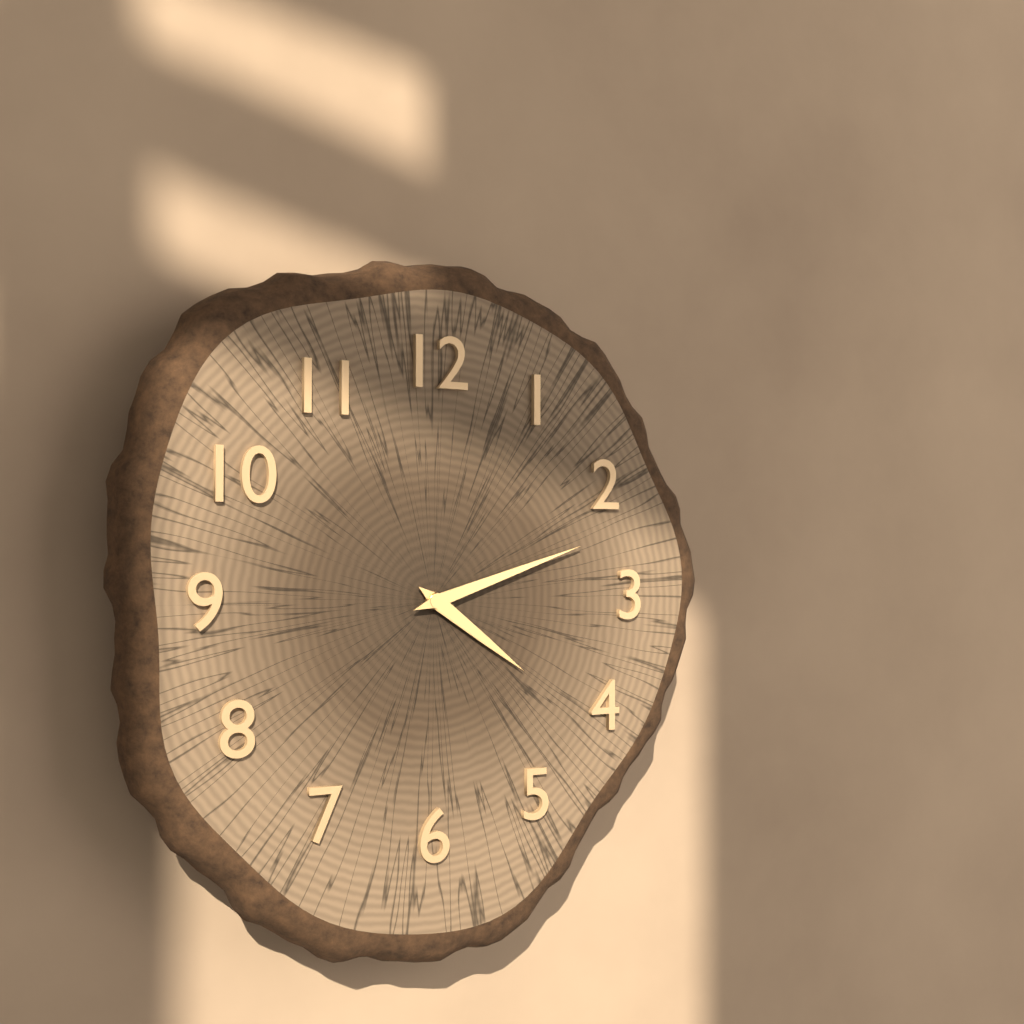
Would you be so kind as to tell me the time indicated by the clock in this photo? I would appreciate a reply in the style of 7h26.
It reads 4h12
